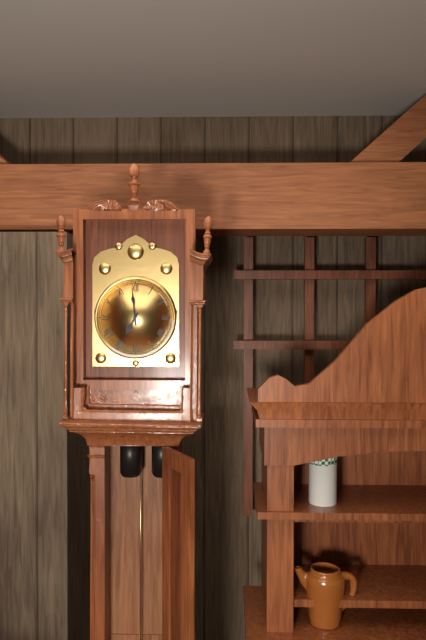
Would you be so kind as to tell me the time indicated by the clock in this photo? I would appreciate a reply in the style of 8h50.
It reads 6h59
